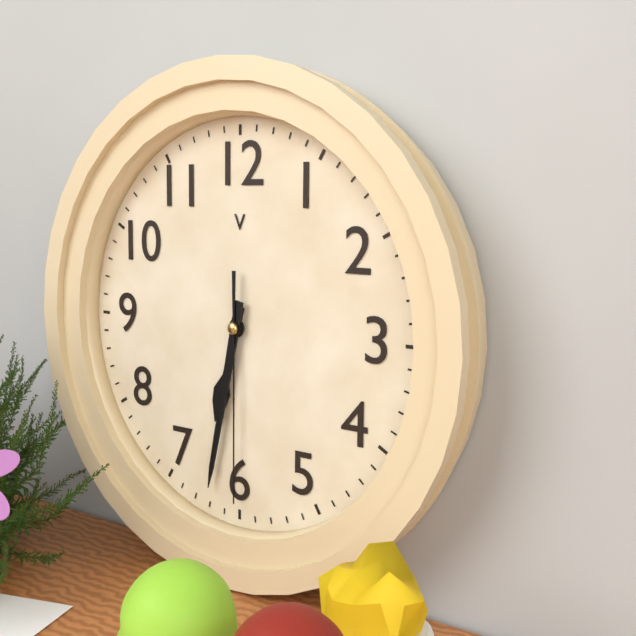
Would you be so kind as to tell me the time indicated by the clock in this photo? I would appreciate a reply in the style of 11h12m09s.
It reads 6h32m30s
